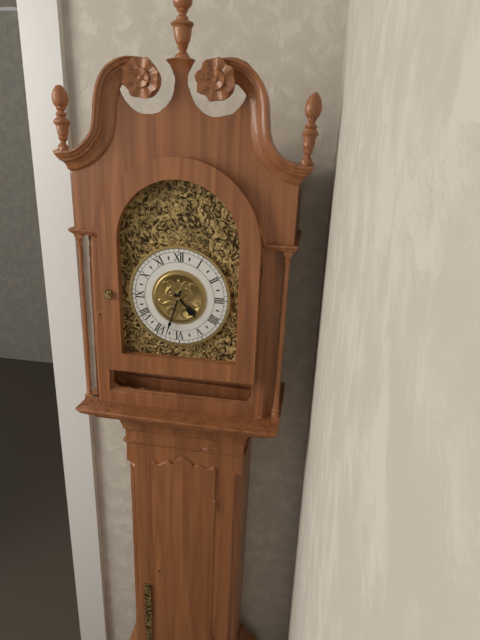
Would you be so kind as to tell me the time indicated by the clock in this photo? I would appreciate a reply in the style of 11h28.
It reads 4h33
